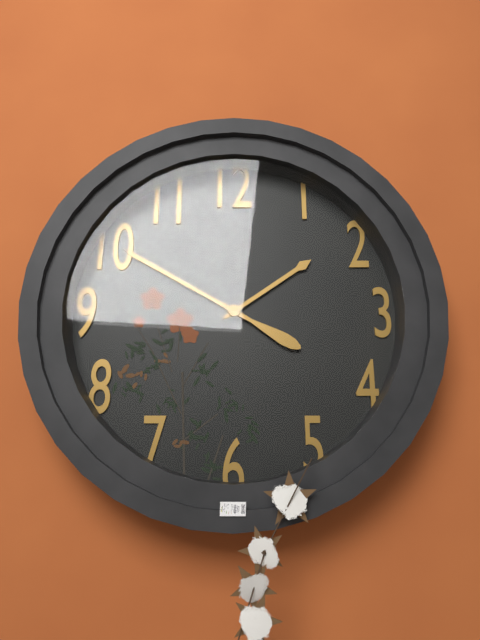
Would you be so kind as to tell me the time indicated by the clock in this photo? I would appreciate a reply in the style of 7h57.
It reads 1h50
